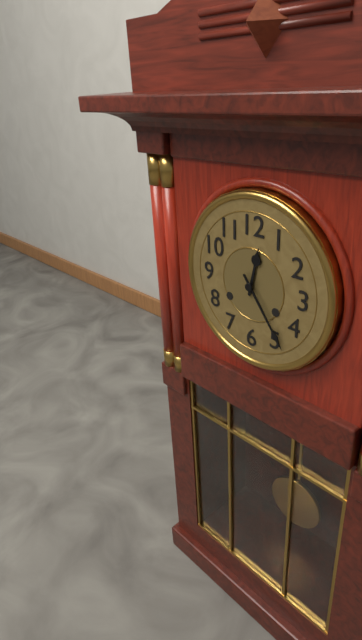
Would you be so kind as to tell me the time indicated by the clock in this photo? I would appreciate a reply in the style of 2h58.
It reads 12h24
